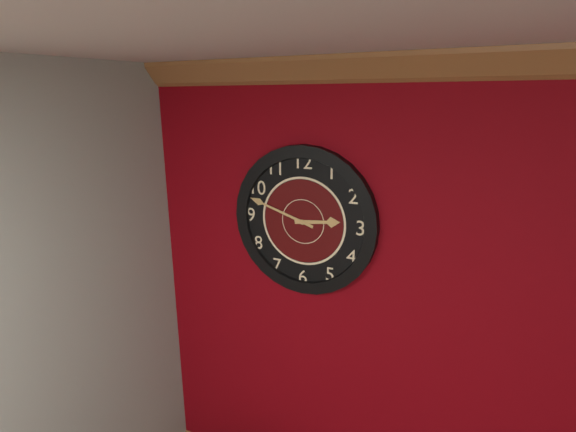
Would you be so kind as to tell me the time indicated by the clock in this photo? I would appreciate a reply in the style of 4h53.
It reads 2h48
